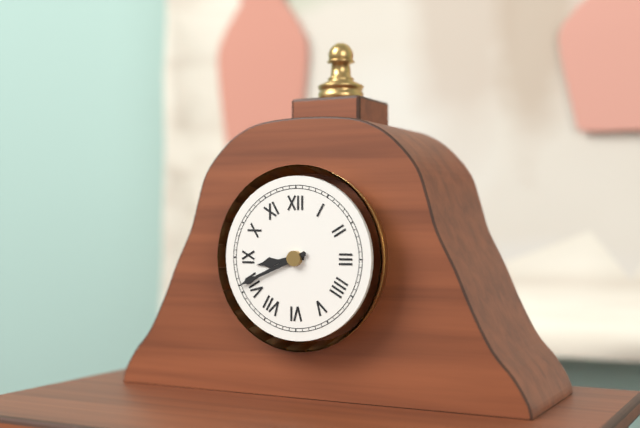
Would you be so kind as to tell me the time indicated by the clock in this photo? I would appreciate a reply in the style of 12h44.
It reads 8h41
